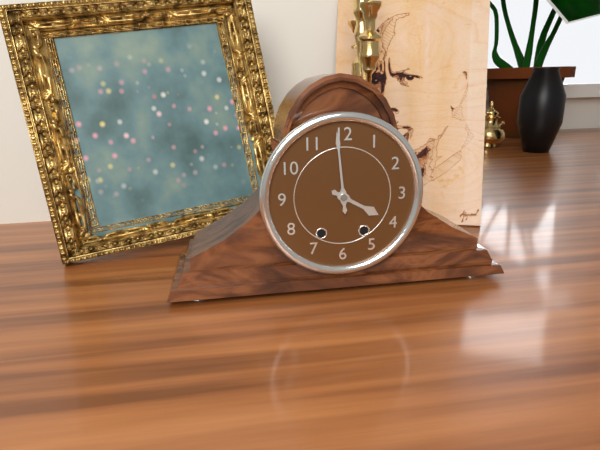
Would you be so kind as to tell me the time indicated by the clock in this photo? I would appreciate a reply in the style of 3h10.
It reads 3h59
